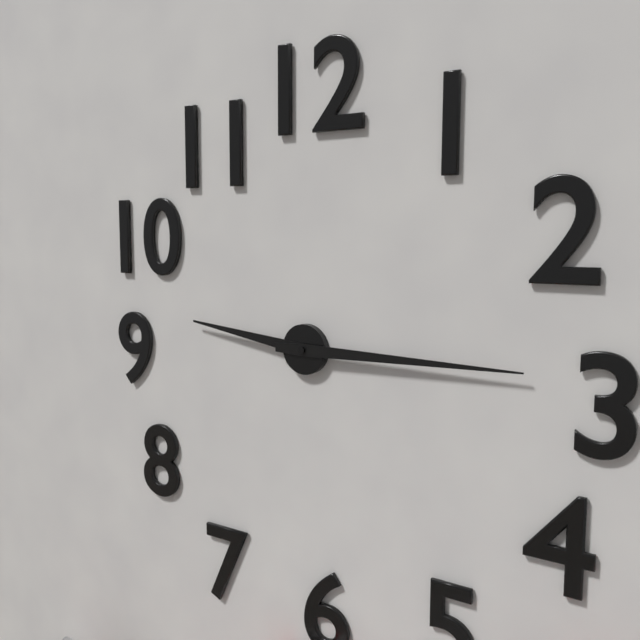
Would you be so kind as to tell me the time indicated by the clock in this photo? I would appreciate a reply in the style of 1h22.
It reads 9h15
